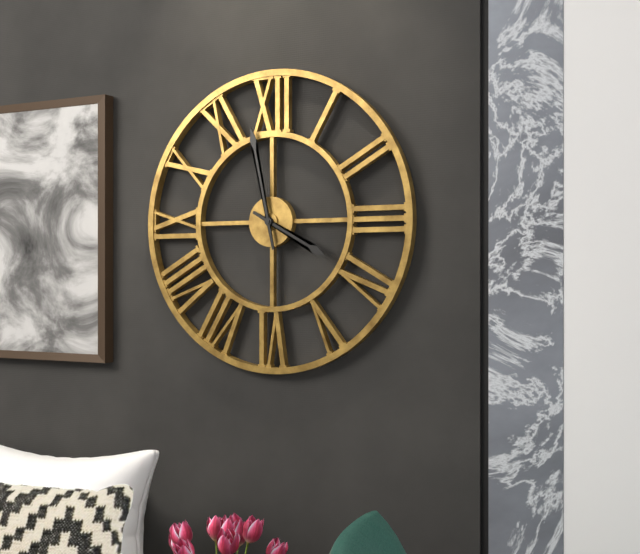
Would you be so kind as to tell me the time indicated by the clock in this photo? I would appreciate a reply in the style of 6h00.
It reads 3h58
